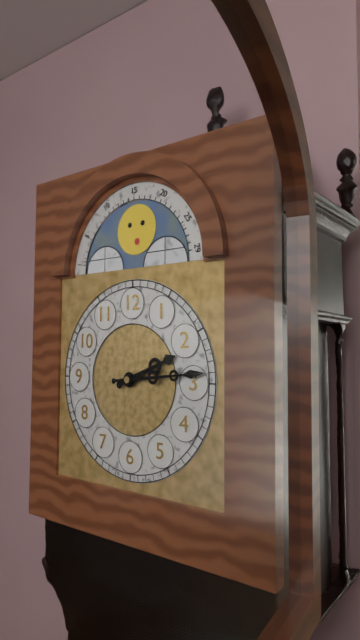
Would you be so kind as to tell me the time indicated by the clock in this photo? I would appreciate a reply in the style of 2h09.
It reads 2h14
